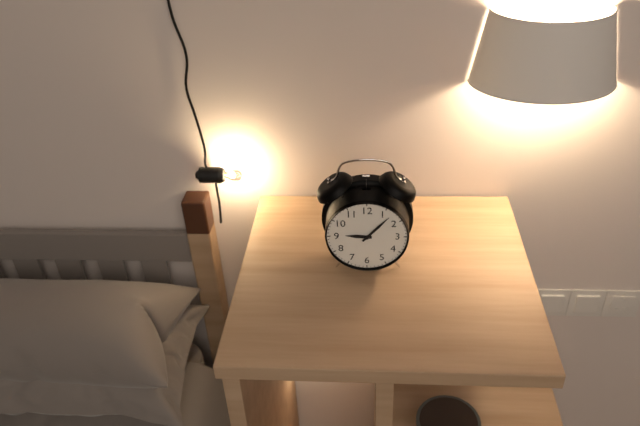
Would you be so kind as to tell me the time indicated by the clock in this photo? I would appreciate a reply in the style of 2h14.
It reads 9h07
